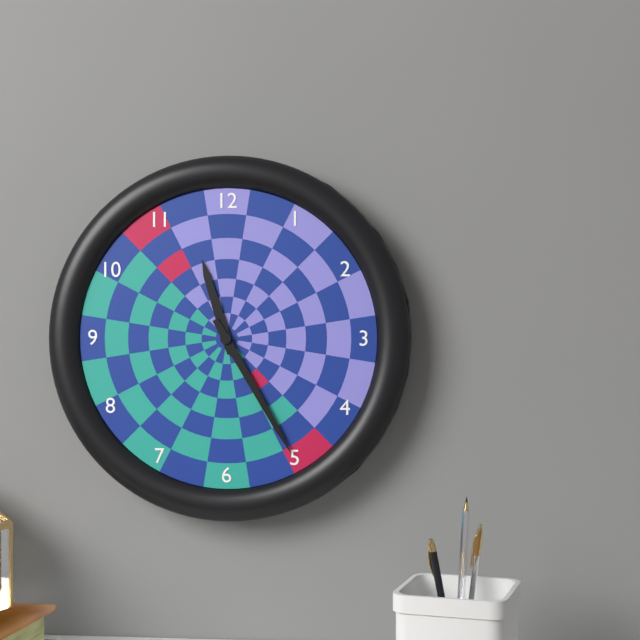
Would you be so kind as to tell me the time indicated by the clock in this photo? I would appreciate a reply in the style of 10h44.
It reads 11h25
